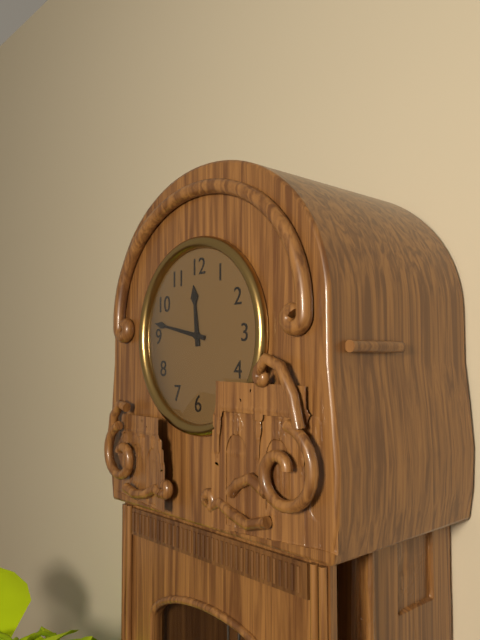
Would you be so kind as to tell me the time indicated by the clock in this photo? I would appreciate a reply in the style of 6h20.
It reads 11h47
